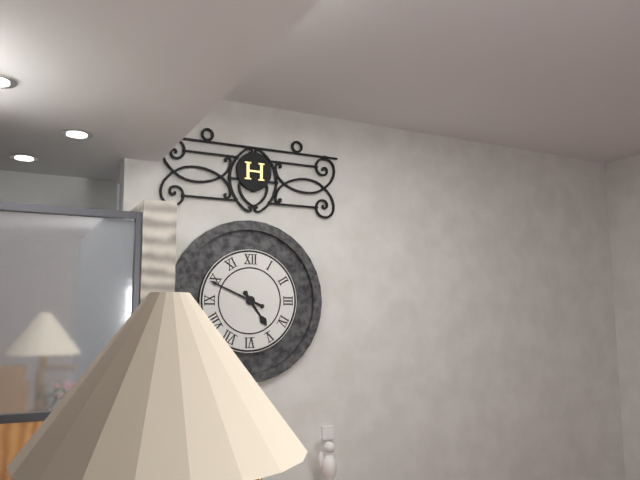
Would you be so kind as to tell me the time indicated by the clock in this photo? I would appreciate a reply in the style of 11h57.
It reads 4h49
